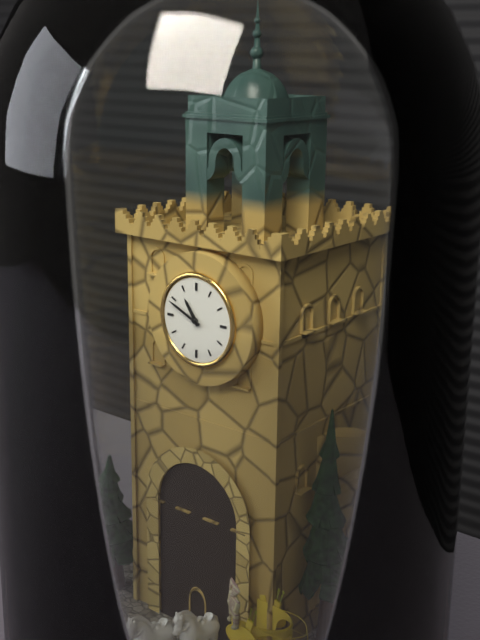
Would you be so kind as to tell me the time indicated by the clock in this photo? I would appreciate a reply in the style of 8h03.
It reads 10h49
